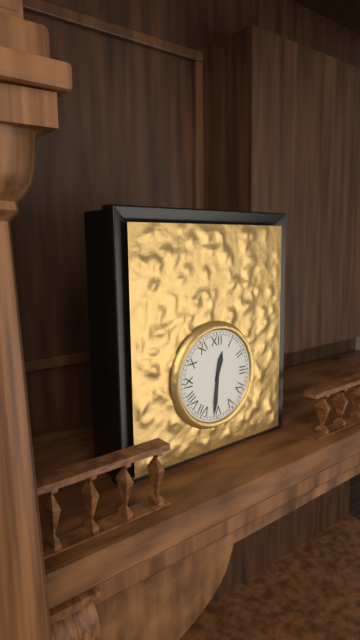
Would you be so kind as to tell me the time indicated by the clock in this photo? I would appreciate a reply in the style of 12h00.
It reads 12h31
